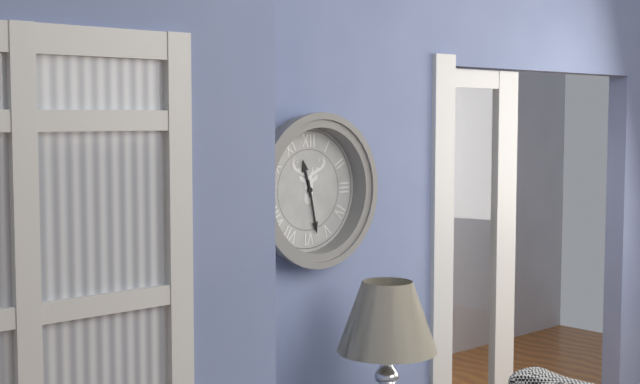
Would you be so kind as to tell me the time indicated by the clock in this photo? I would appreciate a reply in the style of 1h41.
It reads 11h28
